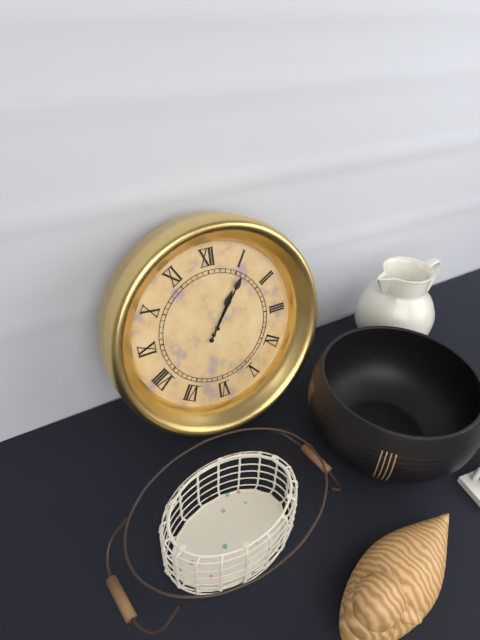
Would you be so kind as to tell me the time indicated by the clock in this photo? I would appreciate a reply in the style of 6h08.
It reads 1h06
